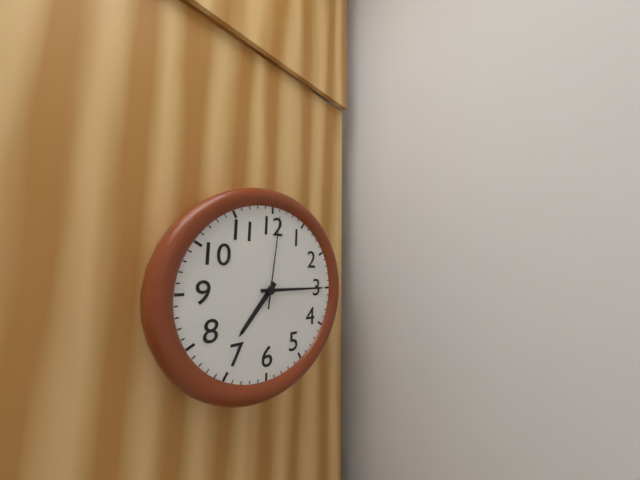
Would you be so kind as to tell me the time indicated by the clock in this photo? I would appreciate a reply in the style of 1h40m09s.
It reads 7h15m01s
